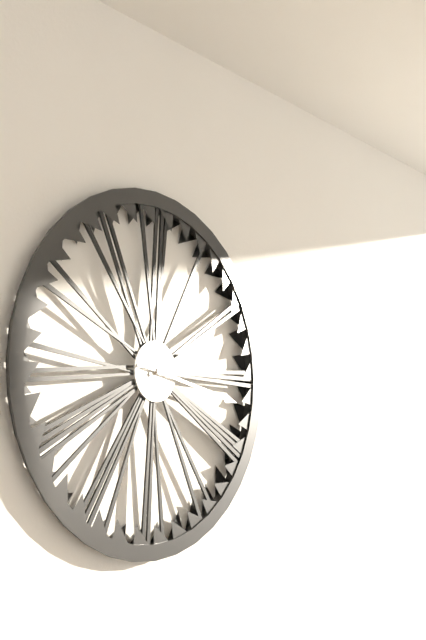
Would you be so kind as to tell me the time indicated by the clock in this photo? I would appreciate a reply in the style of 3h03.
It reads 2h17
